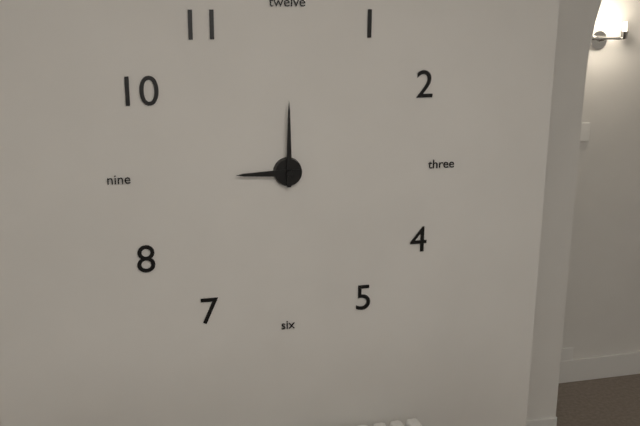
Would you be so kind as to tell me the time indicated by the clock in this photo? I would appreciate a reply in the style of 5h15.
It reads 9h00
